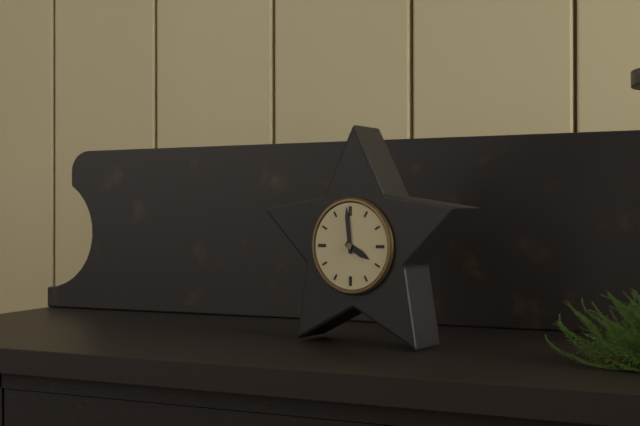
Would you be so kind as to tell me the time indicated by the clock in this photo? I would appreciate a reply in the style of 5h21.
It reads 3h59
